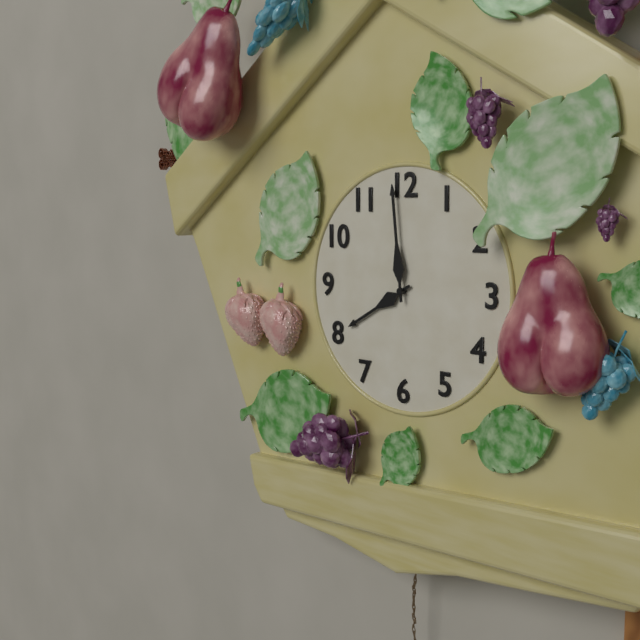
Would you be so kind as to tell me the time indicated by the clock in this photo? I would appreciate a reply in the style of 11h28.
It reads 7h59
